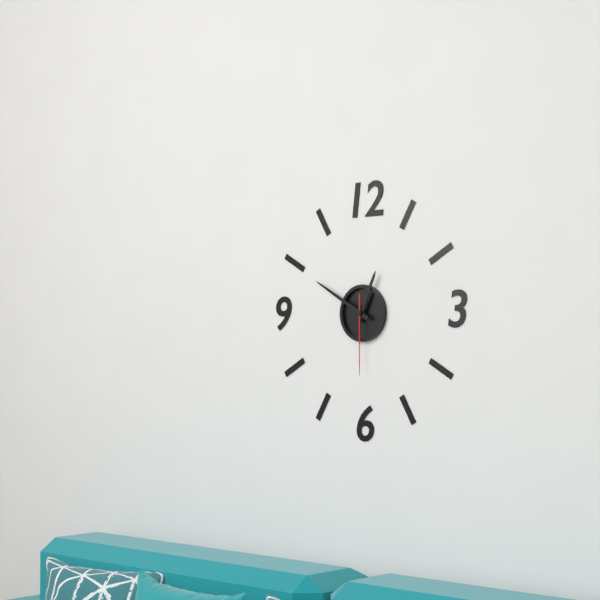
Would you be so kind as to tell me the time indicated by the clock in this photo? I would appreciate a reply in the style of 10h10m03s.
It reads 12h50m30s
